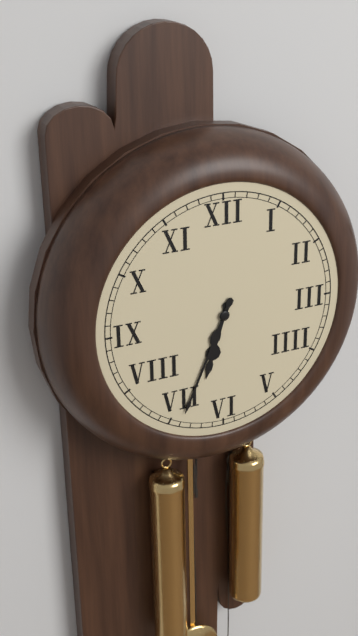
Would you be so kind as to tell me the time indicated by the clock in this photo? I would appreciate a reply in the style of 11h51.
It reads 6h34
